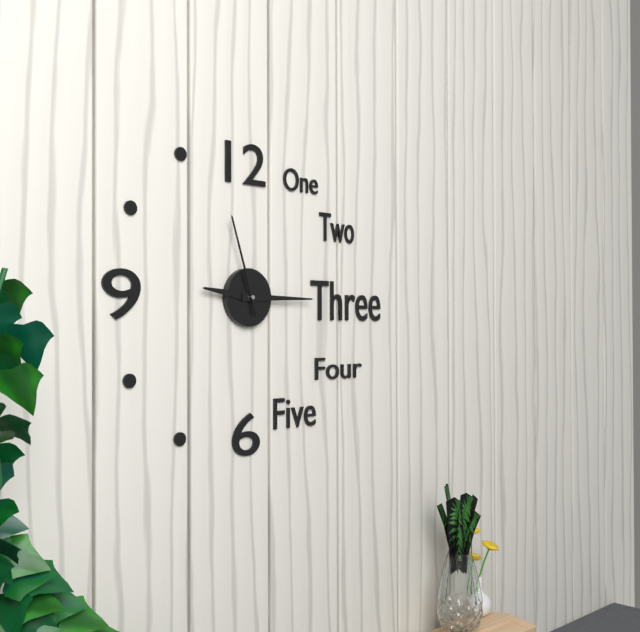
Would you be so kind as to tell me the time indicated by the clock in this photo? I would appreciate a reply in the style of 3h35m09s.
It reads 9h15m57s
